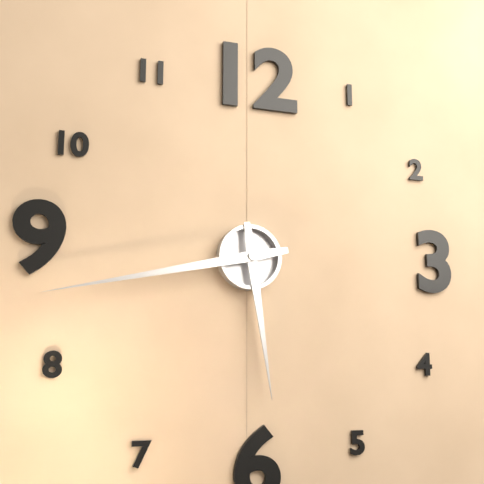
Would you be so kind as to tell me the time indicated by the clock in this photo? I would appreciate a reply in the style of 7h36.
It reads 5h43
